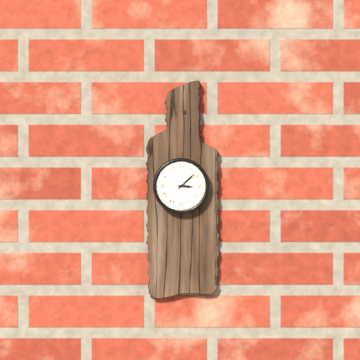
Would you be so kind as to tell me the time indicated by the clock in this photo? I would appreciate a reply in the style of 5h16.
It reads 3h08
